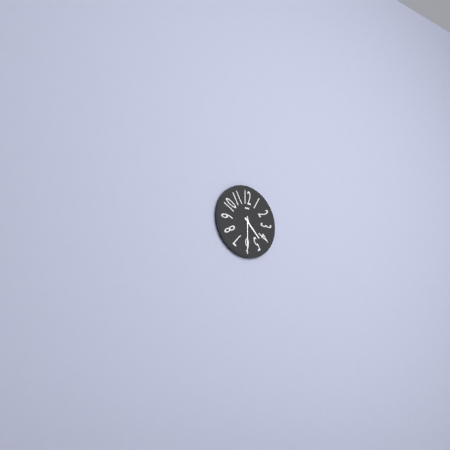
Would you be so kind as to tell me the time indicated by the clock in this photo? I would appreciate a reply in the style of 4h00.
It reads 4h30
